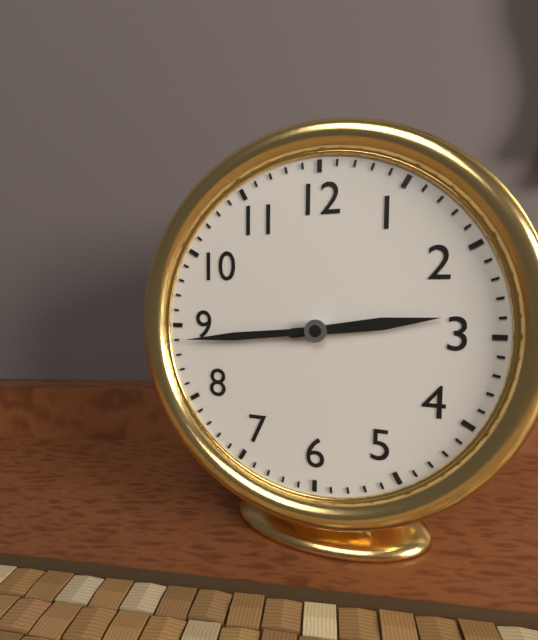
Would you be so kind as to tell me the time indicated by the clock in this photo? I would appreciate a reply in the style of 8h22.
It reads 2h44
